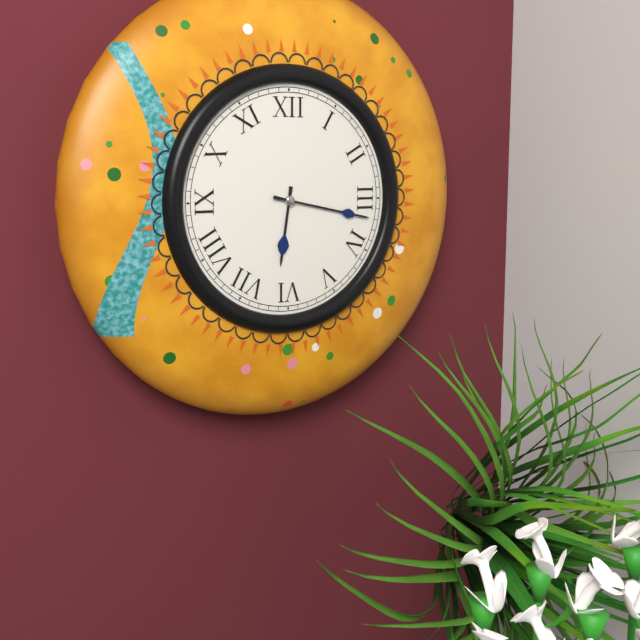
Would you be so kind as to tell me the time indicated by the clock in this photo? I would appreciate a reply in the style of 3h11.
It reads 6h17
